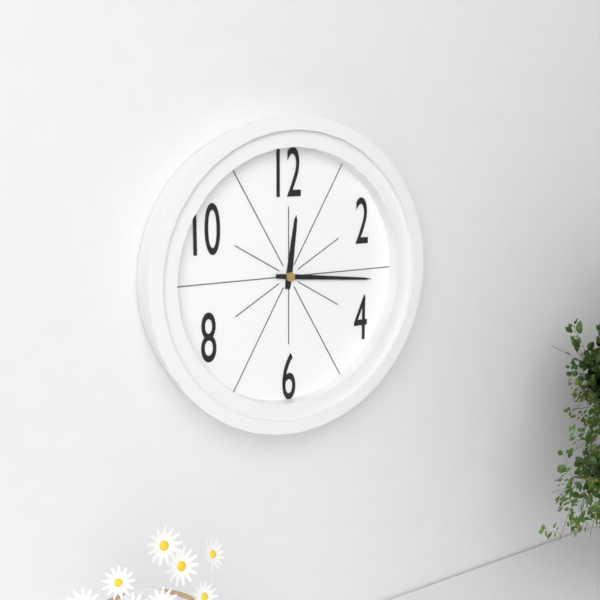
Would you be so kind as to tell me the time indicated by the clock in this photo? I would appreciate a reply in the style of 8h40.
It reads 12h16
